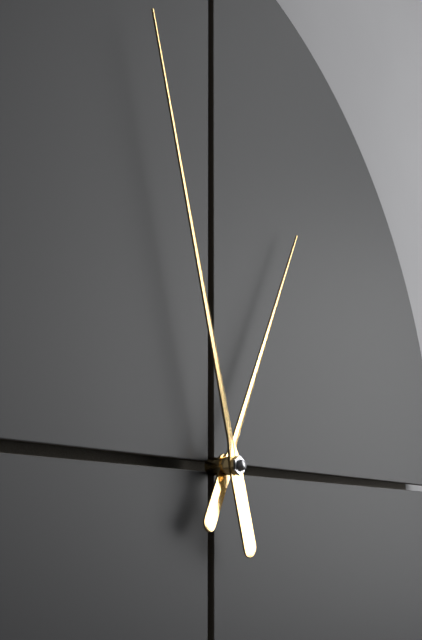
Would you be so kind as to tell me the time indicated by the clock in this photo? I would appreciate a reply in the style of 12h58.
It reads 12h57
